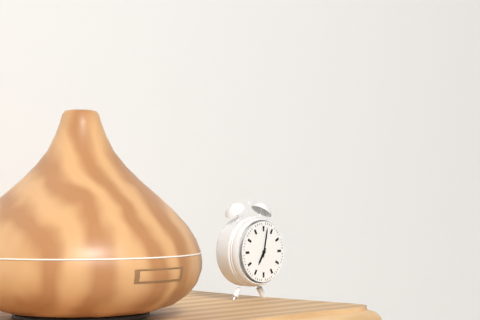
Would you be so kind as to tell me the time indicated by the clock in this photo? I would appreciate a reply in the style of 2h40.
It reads 7h02
